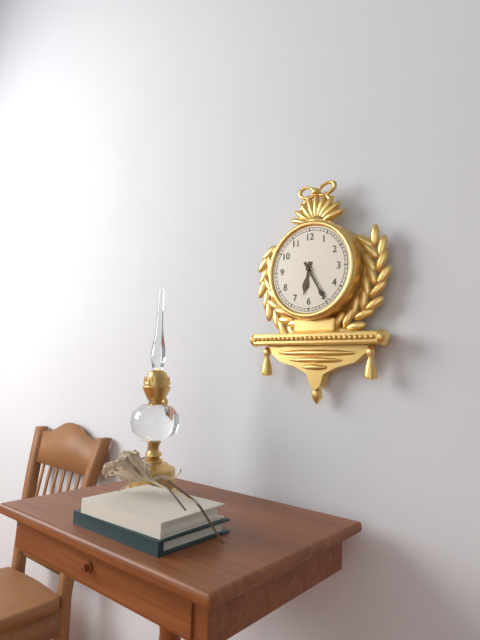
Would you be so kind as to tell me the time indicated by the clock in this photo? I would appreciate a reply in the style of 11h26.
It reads 6h25
